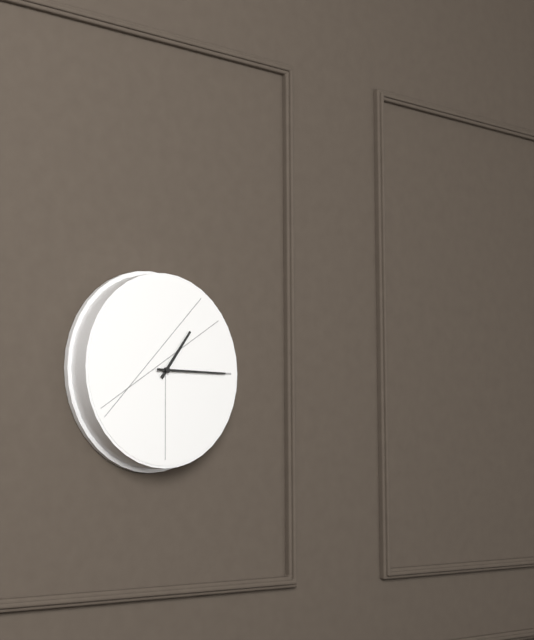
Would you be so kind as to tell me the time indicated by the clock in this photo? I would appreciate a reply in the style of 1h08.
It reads 1h15
